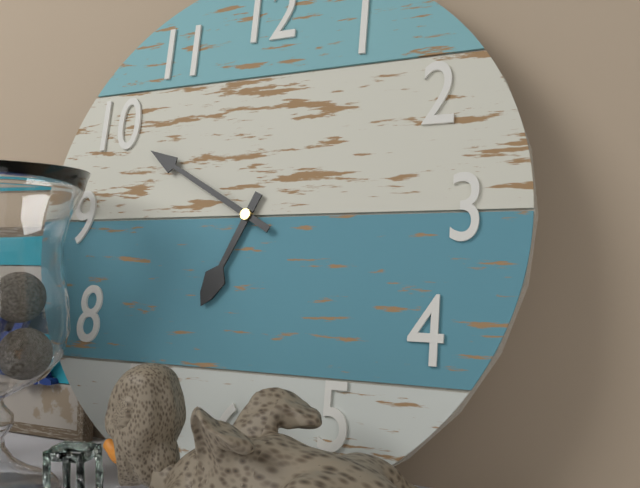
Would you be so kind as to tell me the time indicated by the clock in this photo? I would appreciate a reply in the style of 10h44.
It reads 6h50
